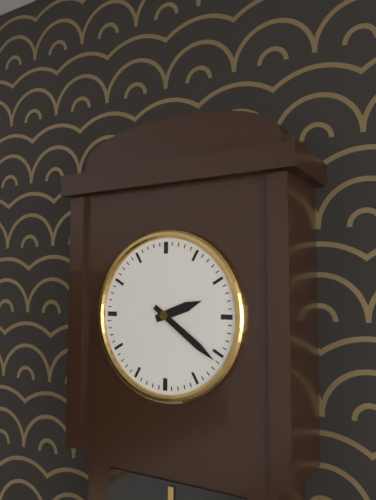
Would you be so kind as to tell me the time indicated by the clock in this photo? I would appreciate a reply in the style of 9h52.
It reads 2h21
